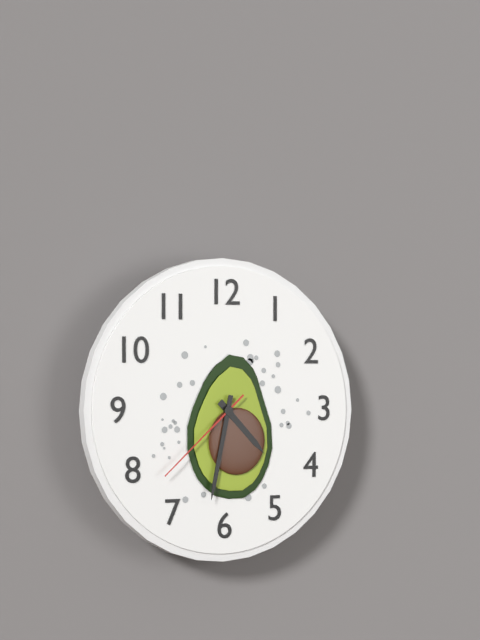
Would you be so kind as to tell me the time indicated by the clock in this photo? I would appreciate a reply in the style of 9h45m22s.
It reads 4h32m38s
